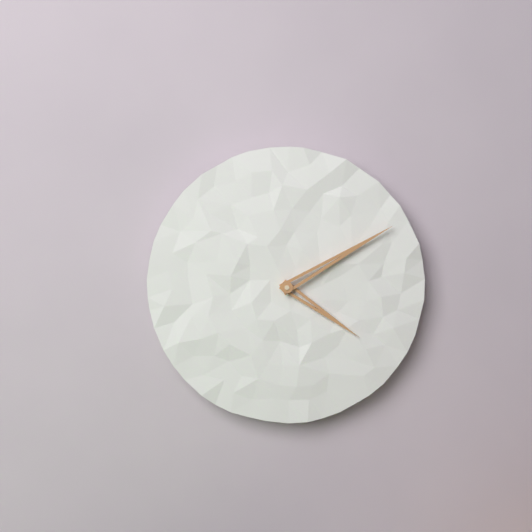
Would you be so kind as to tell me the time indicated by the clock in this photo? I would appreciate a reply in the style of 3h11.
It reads 4h10
